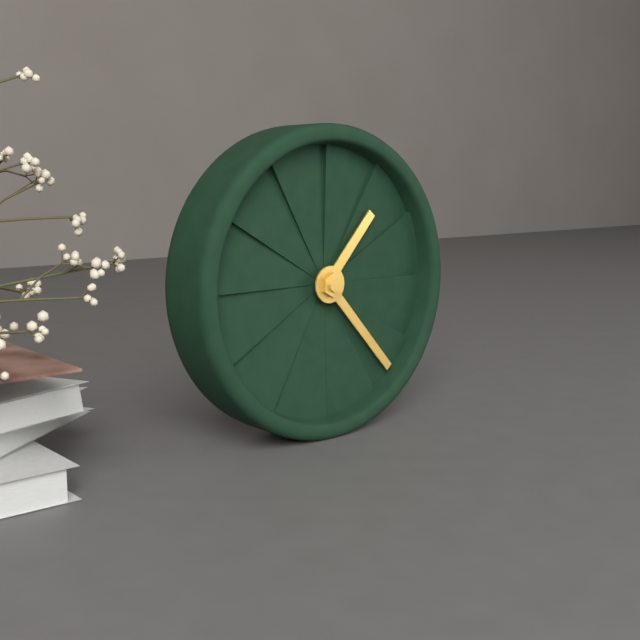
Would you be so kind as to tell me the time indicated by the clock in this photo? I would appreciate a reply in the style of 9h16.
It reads 1h23
